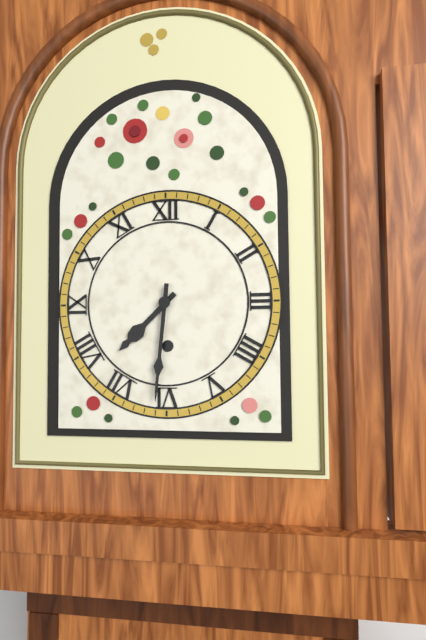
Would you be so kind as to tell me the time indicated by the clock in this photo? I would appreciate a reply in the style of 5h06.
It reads 7h31
